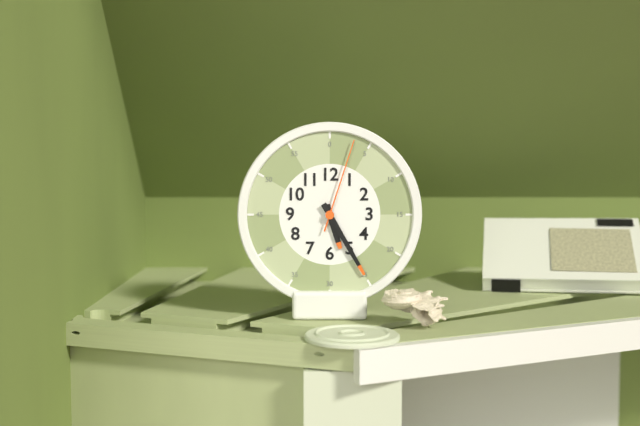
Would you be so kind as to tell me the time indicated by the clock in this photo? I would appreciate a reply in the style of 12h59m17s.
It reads 5h25m03s
